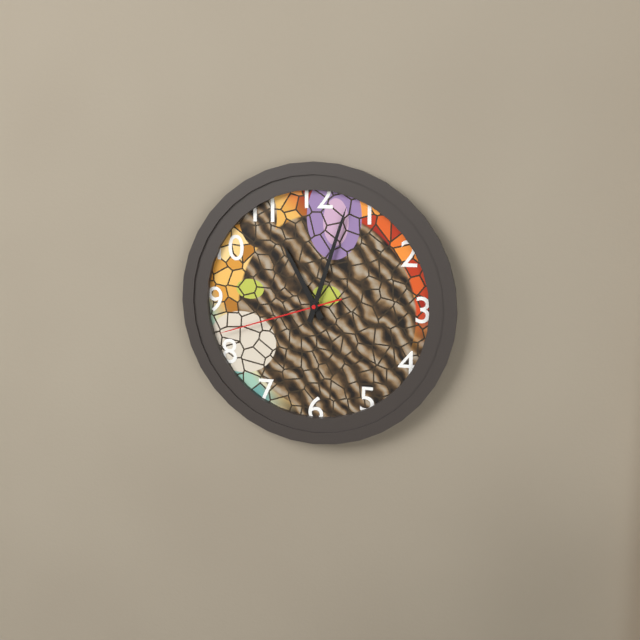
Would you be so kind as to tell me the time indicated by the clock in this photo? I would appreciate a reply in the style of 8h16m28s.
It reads 11h03m42s
